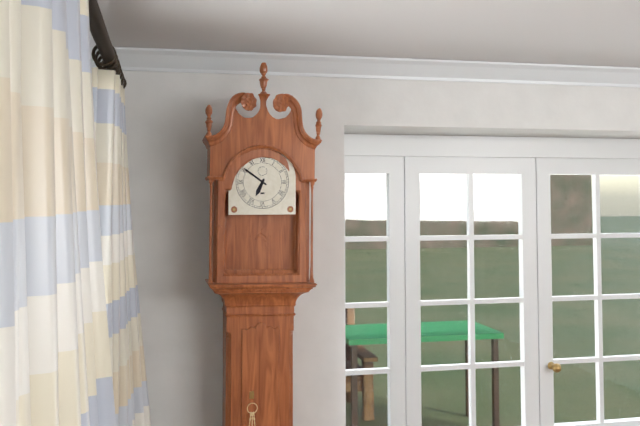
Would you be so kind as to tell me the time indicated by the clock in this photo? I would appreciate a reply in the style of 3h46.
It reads 6h51
